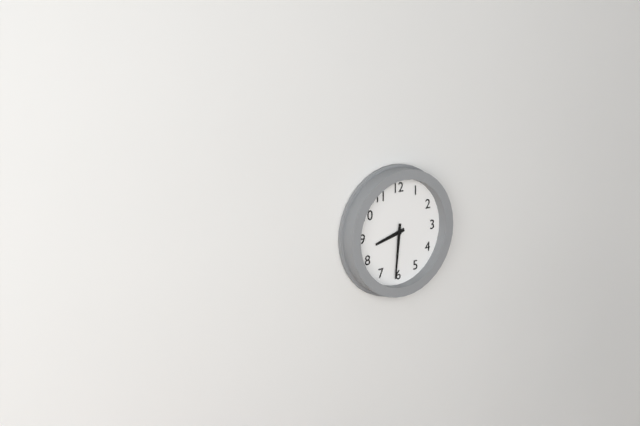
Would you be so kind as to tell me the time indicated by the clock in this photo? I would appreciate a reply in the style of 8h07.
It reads 8h31
